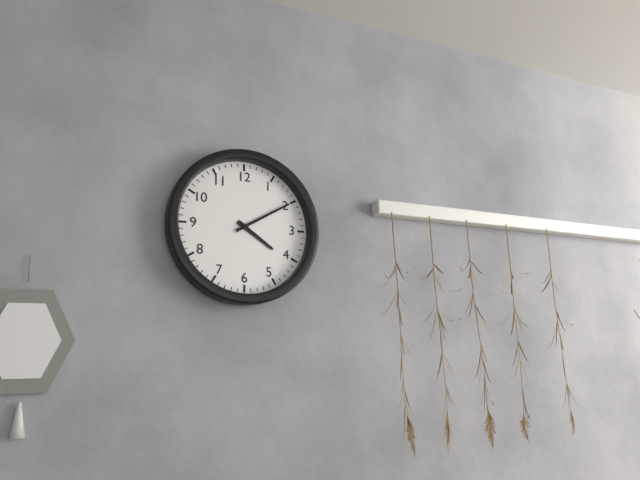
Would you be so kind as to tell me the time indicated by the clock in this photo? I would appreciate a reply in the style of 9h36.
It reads 4h10
